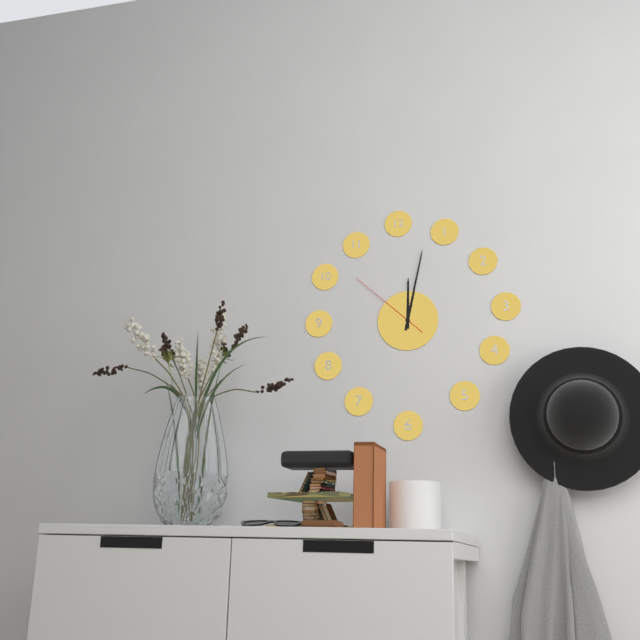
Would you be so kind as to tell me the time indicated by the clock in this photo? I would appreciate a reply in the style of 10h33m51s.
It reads 12h02m52s
